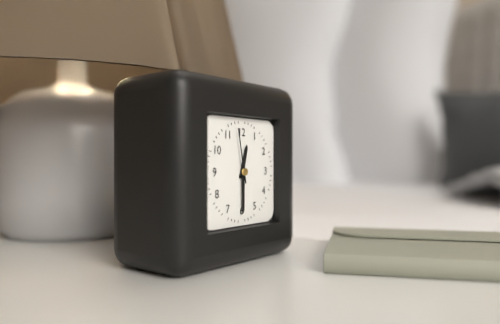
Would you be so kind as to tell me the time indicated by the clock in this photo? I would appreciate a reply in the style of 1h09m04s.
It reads 12h30m58s
